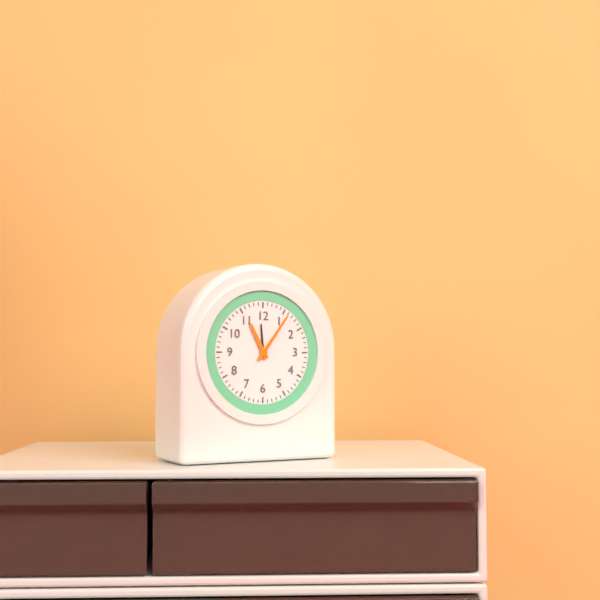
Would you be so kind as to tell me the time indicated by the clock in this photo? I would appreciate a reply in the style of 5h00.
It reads 11h06
